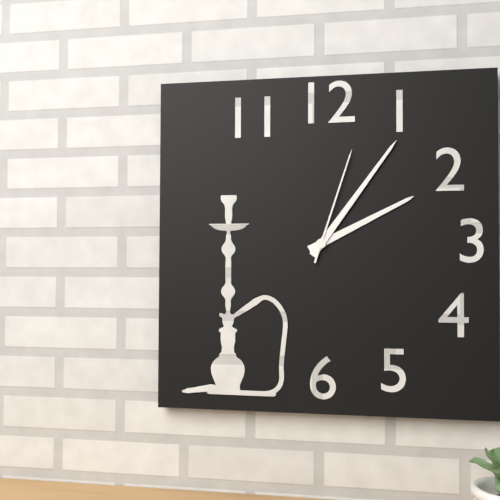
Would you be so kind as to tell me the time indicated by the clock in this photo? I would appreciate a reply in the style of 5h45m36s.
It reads 2h06m03s
